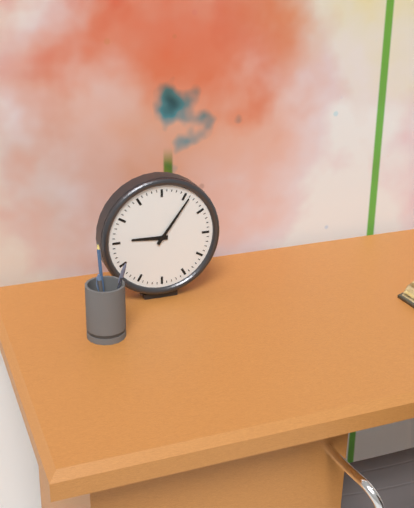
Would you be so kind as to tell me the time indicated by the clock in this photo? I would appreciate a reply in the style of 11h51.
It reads 9h06
